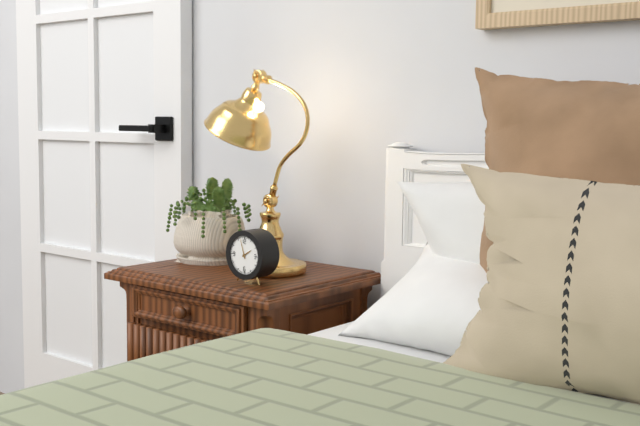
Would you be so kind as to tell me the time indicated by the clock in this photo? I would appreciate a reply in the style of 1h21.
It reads 1h57
